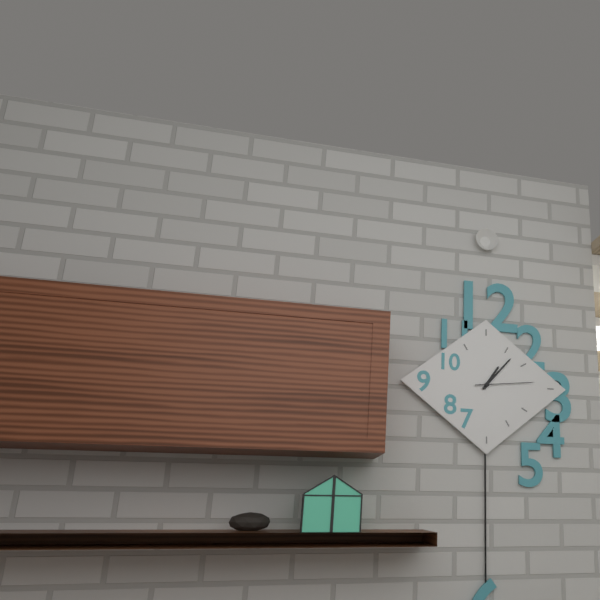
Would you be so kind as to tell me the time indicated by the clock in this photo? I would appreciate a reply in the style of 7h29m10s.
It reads 1h07m14s
